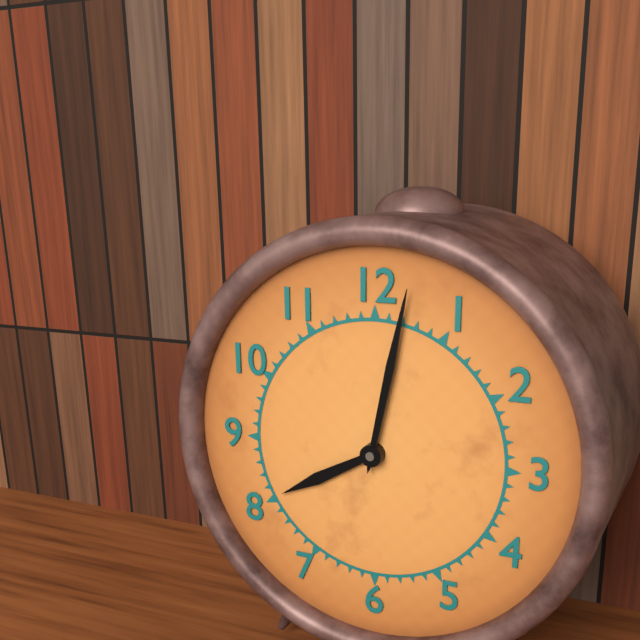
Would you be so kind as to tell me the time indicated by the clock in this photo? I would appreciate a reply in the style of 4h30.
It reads 8h02
